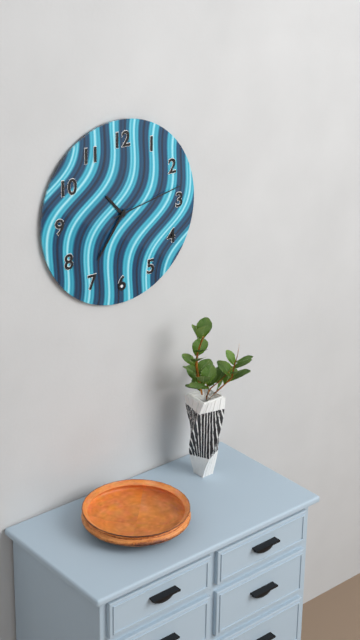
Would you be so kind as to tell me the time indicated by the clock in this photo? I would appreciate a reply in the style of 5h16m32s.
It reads 10h36m13s
